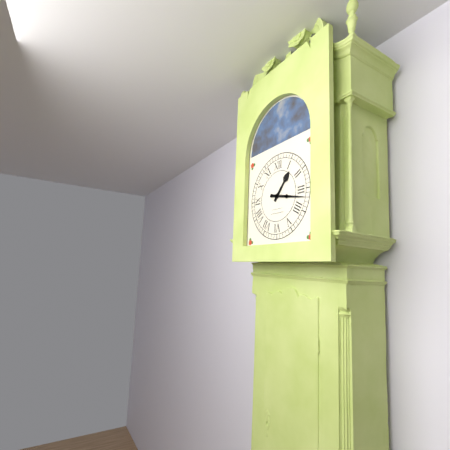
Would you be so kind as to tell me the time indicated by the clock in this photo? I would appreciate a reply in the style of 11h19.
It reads 1h17
